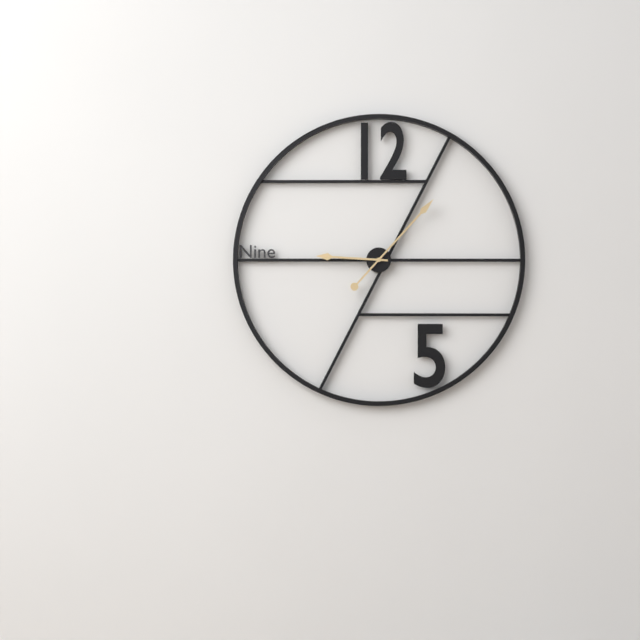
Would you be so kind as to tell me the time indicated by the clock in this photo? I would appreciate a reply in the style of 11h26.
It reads 9h07
